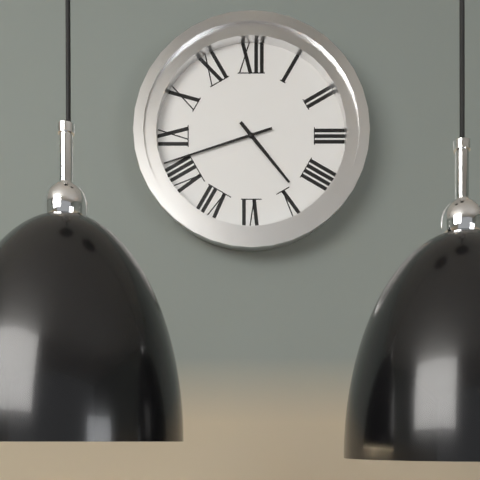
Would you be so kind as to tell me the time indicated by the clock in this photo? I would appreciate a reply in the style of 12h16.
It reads 4h42
